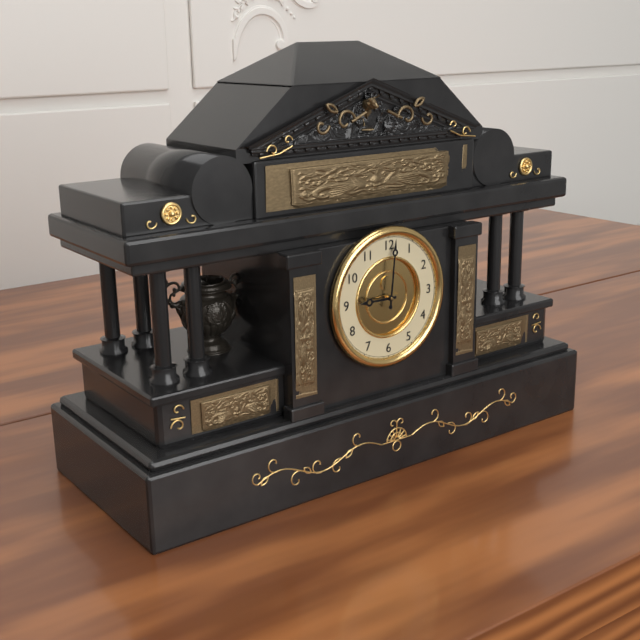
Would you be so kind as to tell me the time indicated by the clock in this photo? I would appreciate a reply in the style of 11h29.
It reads 9h01
